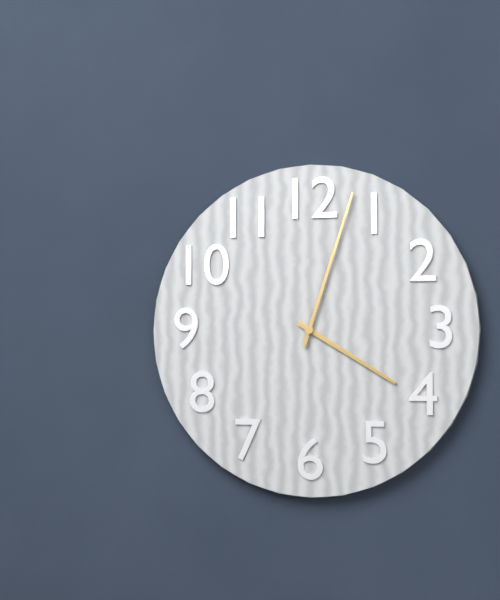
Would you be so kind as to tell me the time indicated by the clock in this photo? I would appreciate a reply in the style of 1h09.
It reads 4h03
